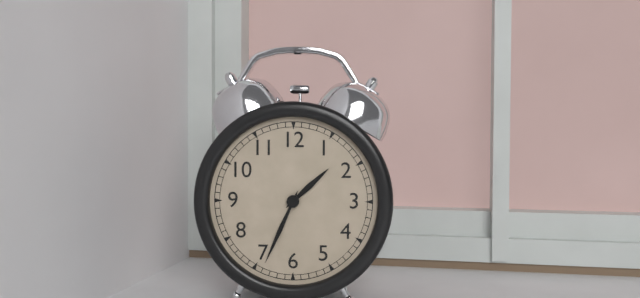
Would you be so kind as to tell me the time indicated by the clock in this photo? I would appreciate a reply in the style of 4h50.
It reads 1h34
